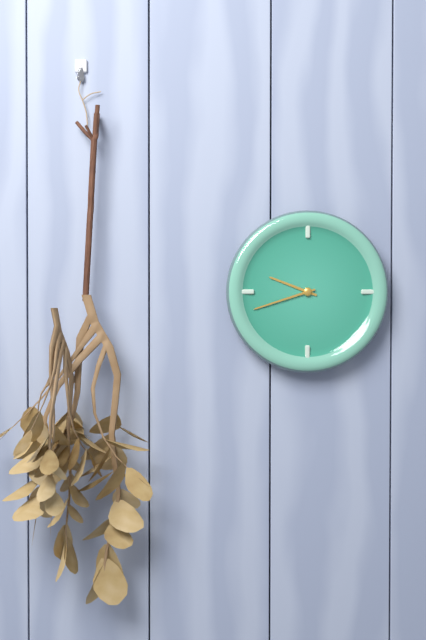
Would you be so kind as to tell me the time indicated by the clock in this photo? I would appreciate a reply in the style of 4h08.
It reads 9h42
